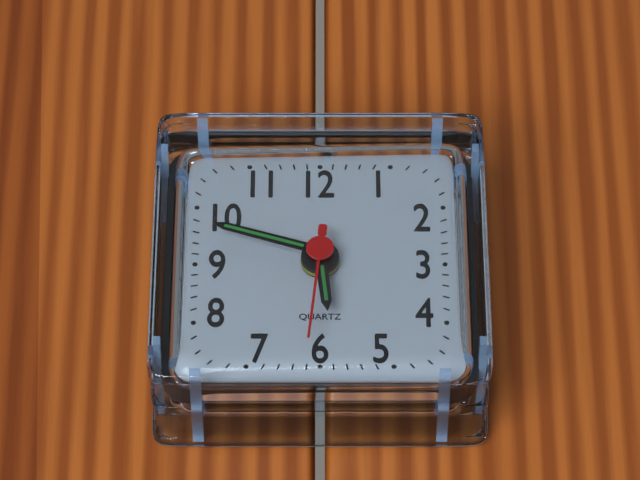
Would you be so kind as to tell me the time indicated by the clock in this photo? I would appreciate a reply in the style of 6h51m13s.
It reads 5h48m31s
